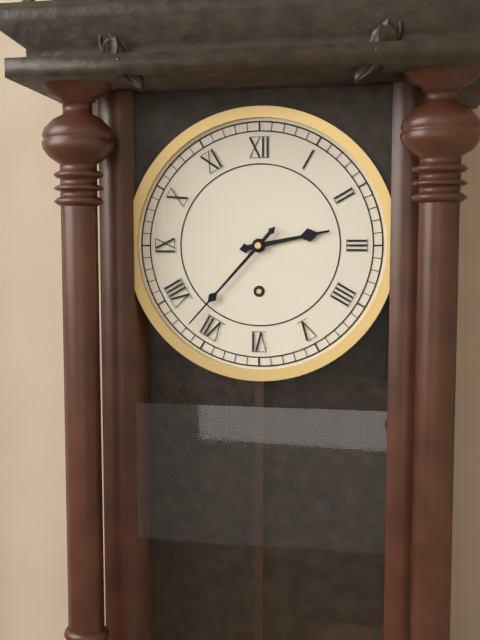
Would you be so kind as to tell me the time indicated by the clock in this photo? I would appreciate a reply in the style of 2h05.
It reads 2h37
